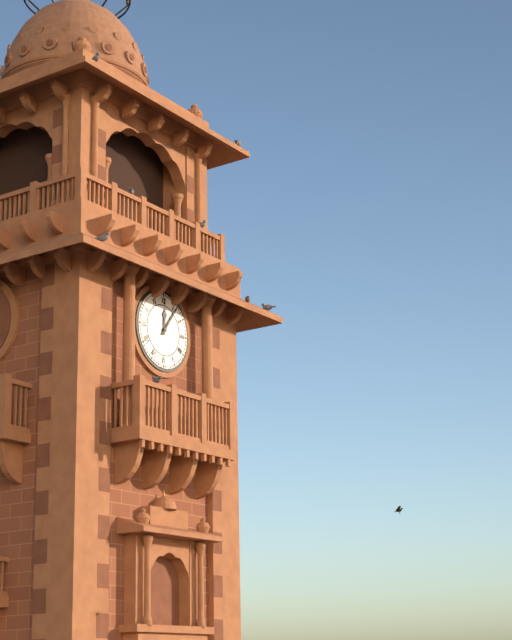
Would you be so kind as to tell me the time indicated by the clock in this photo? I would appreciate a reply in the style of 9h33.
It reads 12h06
